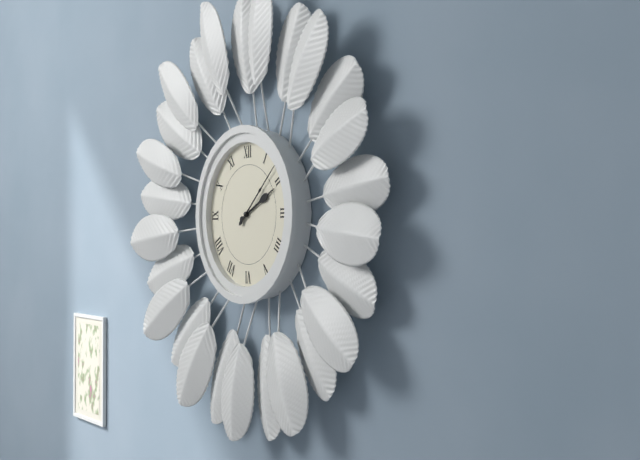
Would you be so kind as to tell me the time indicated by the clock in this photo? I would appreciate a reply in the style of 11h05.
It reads 2h08
